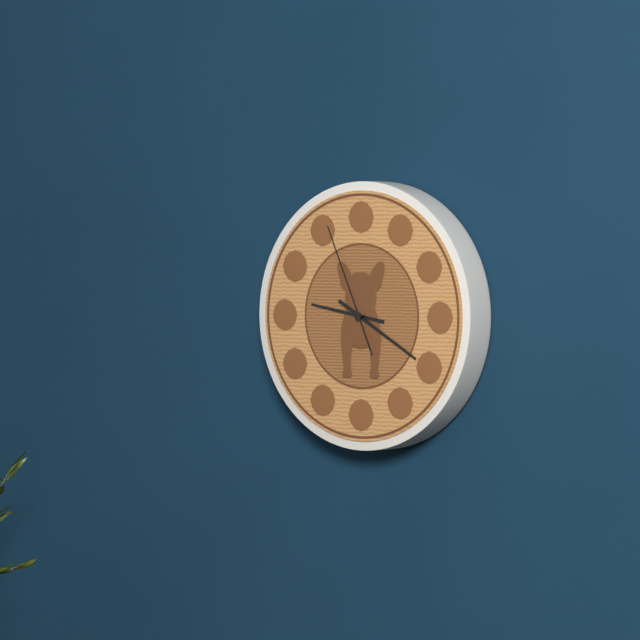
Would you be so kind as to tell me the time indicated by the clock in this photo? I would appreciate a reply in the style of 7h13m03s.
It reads 9h20m56s
